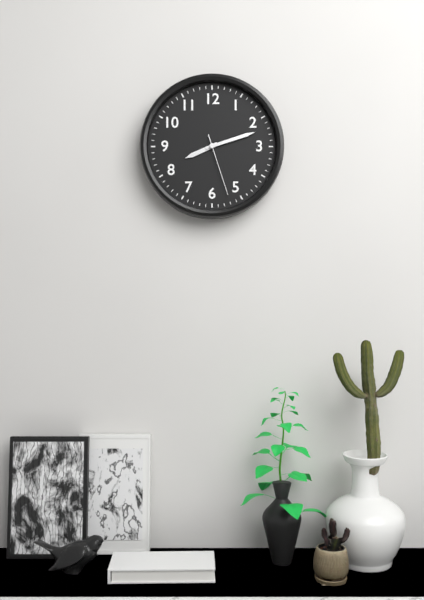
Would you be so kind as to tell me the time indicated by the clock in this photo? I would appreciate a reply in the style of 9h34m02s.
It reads 8h12m27s
